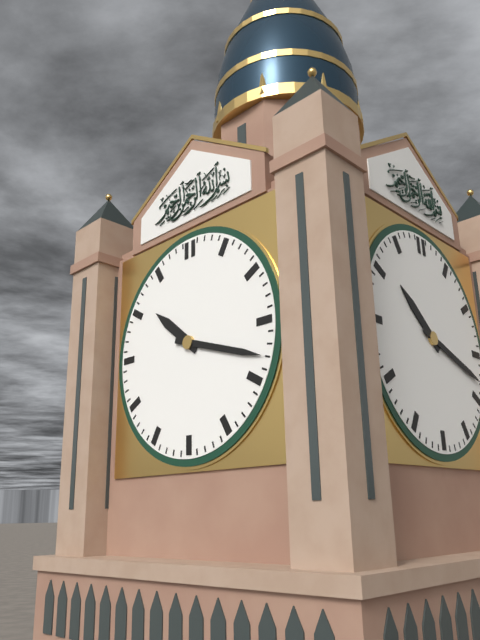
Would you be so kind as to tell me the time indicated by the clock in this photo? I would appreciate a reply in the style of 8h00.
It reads 10h18
